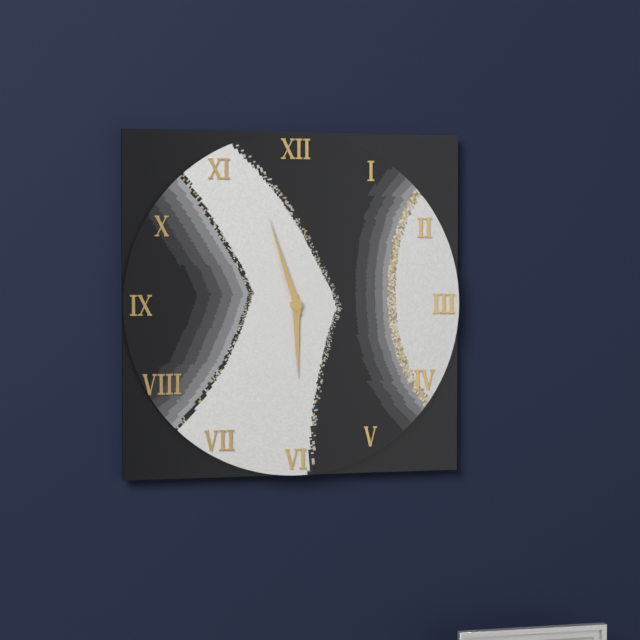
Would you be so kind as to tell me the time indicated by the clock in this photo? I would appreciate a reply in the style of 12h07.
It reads 5h57
